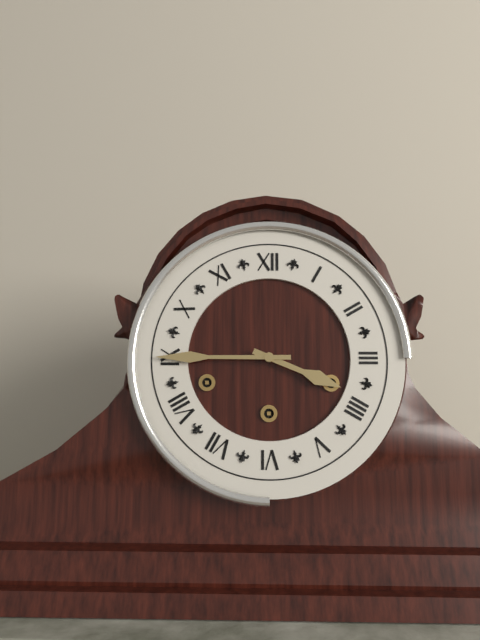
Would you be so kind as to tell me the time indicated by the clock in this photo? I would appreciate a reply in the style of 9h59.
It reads 3h45
